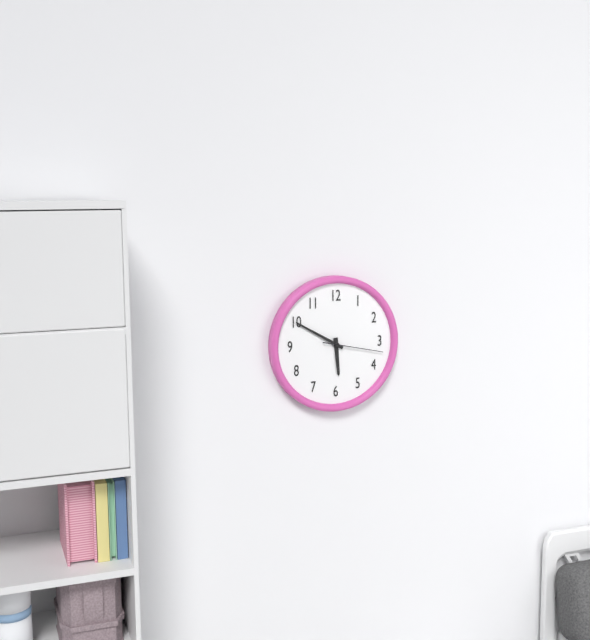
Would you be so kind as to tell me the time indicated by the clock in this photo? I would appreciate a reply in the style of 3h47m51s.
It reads 5h50m17s
